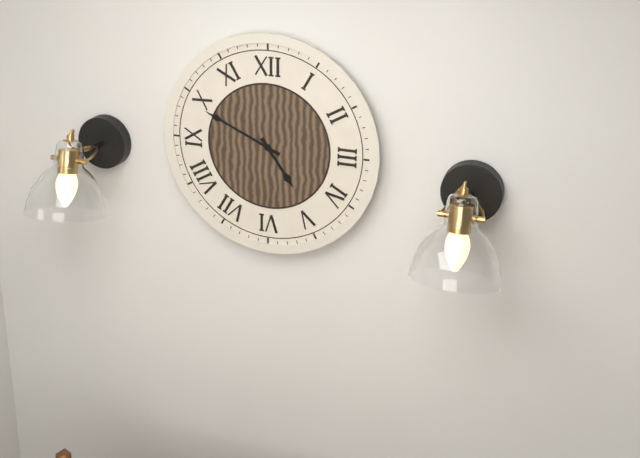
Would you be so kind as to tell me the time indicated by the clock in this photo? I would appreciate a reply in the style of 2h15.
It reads 4h49
